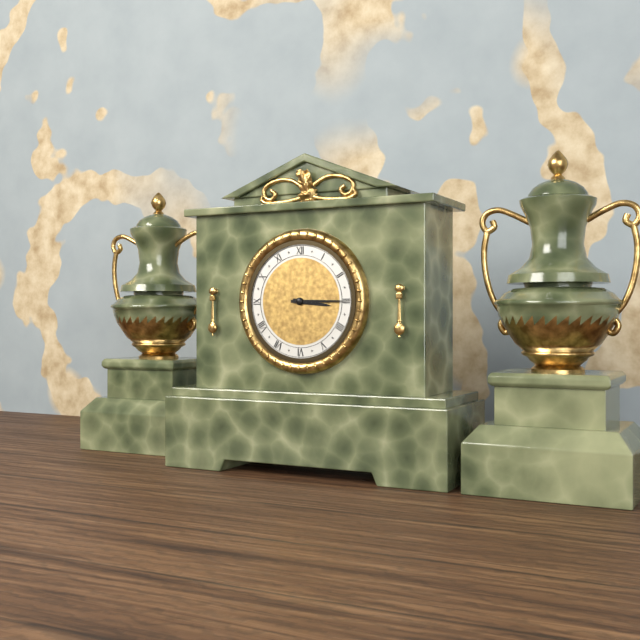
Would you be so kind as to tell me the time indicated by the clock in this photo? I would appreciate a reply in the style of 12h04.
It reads 3h15
